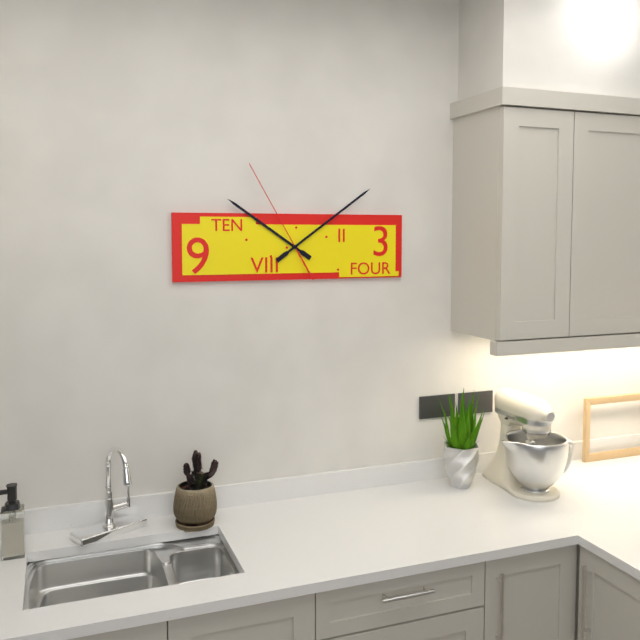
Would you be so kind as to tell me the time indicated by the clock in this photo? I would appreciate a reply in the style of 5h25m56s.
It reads 10h09m55s
